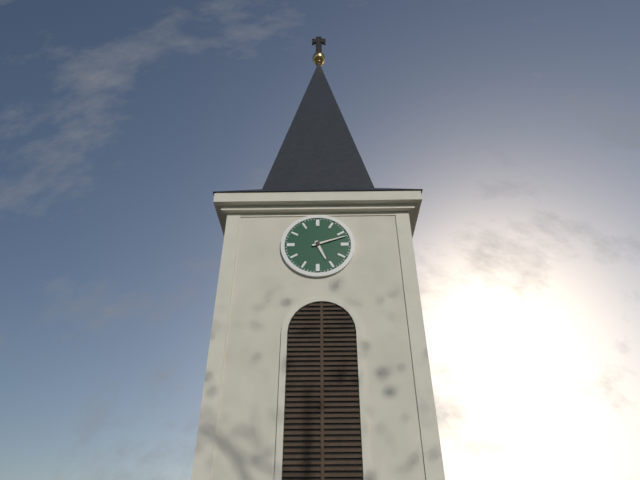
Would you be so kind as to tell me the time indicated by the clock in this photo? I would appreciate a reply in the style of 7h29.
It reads 5h12
